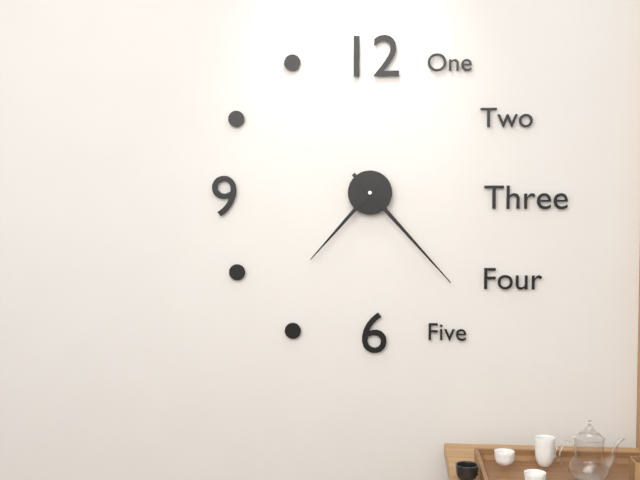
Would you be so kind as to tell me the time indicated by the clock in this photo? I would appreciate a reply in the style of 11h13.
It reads 7h23
